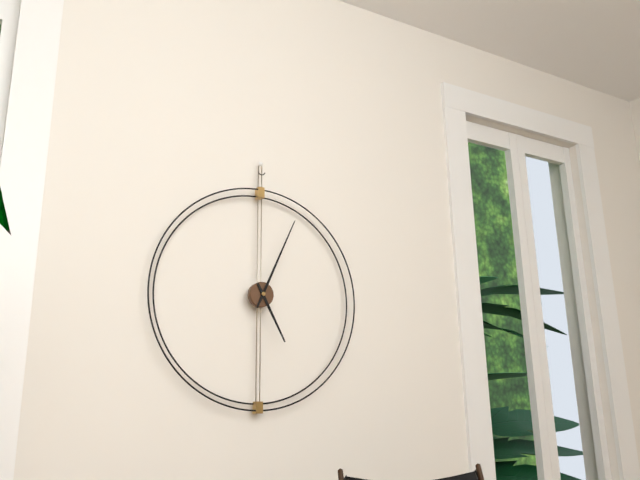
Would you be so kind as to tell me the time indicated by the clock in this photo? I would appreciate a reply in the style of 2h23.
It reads 5h04
